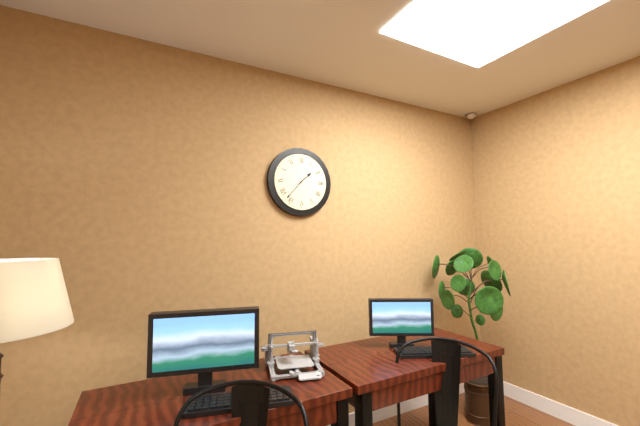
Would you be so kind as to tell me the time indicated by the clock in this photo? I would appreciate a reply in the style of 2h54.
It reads 1h37
